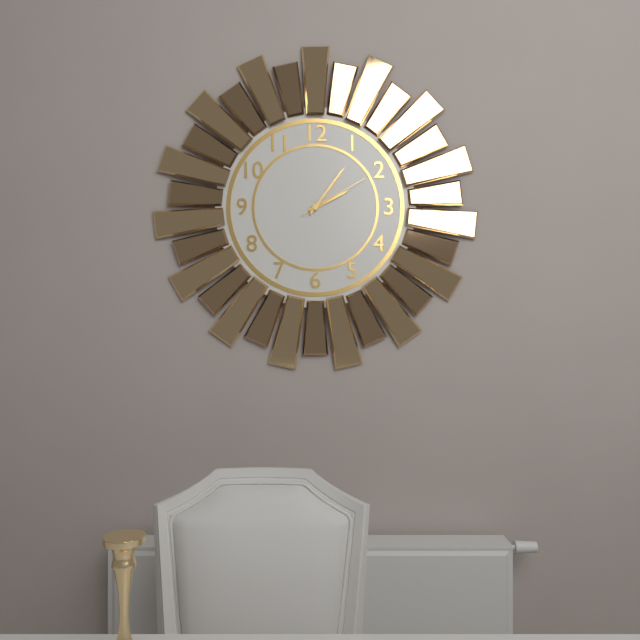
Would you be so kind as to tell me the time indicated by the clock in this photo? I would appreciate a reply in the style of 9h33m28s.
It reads 2h06m10s
